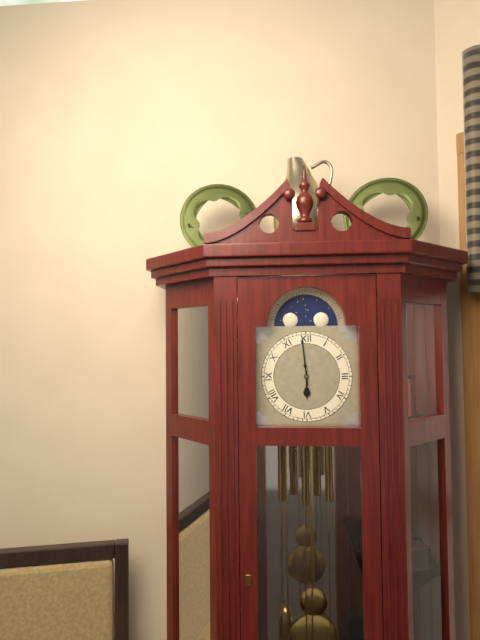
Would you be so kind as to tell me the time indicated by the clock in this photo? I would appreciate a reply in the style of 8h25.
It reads 5h59
